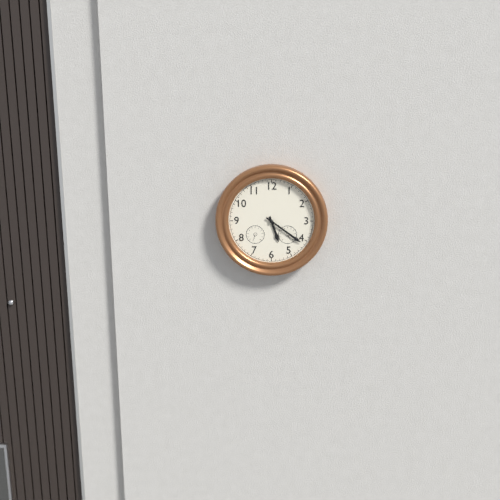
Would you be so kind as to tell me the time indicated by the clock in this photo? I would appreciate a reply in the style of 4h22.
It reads 5h21
